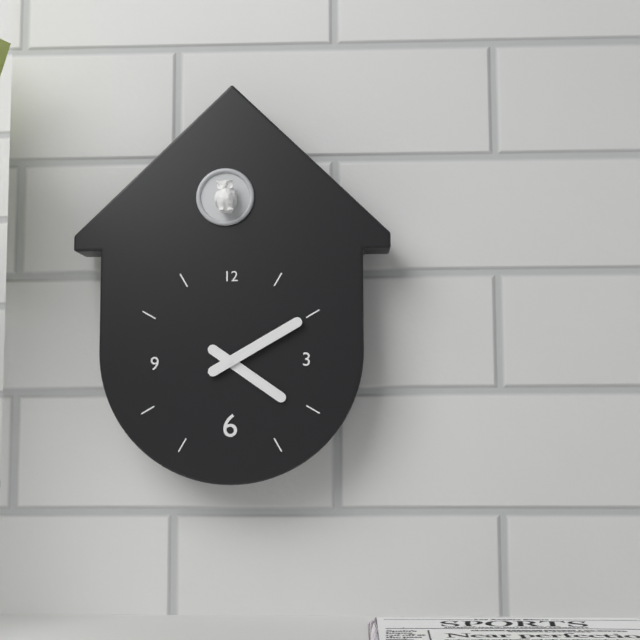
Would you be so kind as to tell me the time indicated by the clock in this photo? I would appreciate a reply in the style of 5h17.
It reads 4h10
